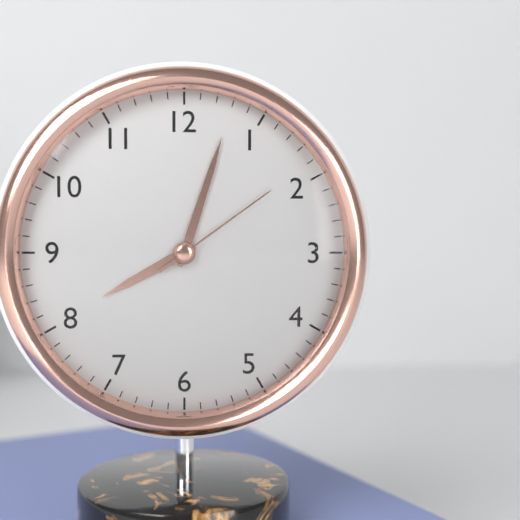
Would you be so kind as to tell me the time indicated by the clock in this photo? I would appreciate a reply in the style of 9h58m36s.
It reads 8h03m09s
